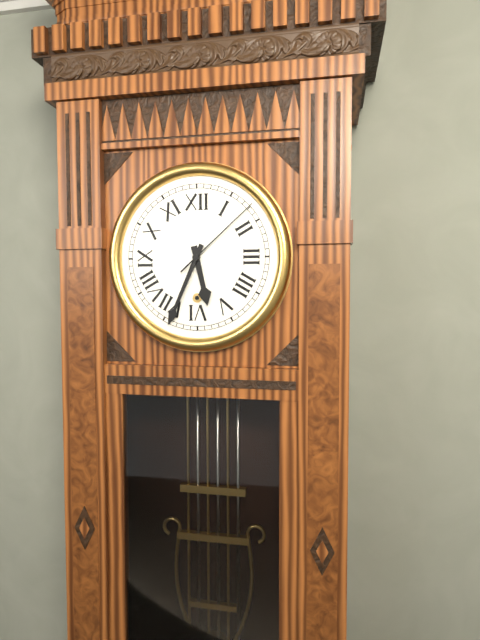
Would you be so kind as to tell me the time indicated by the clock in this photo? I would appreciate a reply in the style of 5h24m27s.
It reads 5h34m08s
